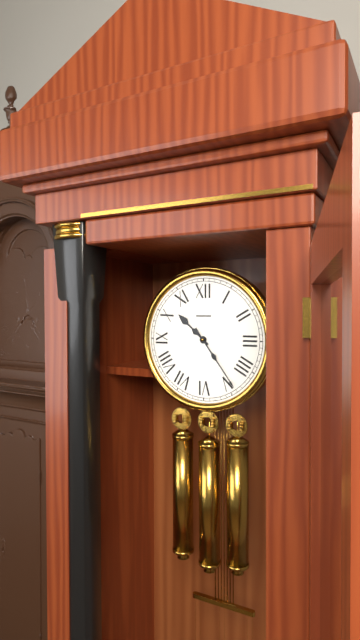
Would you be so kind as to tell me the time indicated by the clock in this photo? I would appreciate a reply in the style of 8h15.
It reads 10h24
